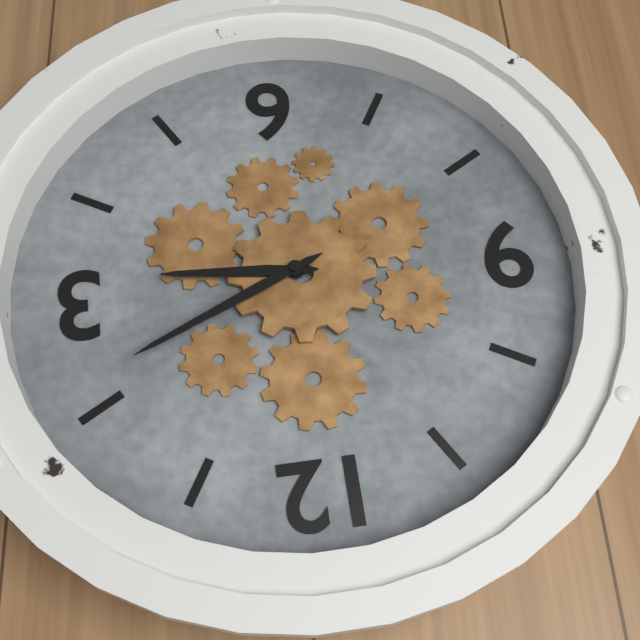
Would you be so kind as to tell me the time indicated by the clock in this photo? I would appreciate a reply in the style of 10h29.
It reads 3h11
